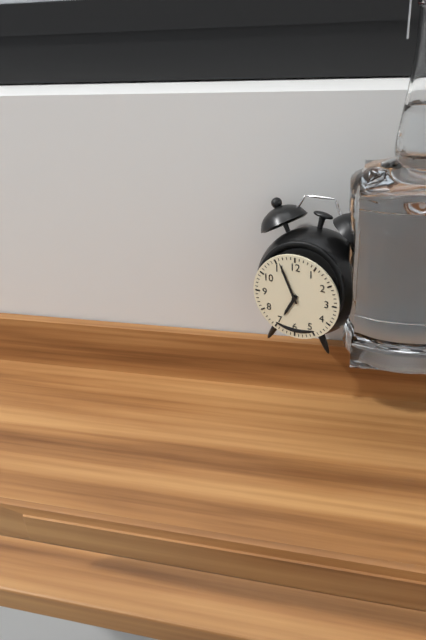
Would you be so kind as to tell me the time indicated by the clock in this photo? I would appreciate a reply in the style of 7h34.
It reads 6h56
